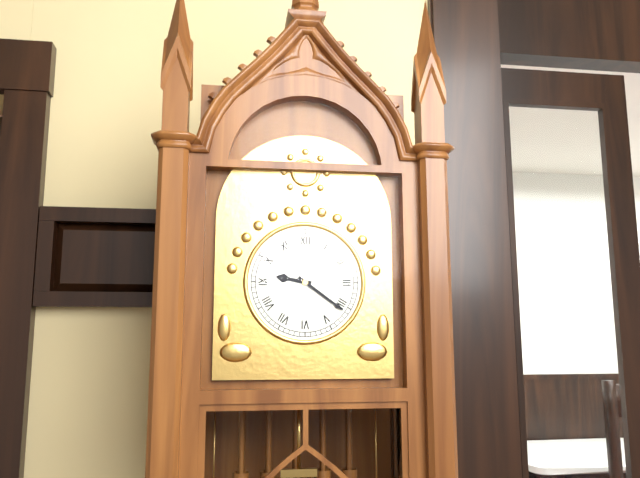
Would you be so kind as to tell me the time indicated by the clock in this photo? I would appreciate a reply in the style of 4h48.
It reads 9h21
